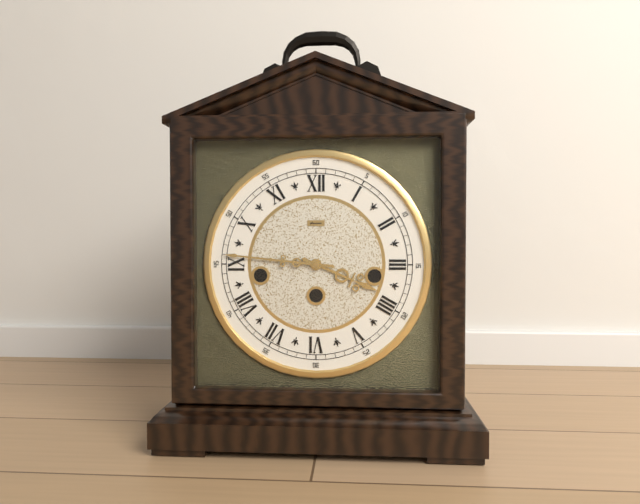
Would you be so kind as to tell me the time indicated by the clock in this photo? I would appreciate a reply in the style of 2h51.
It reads 3h46
